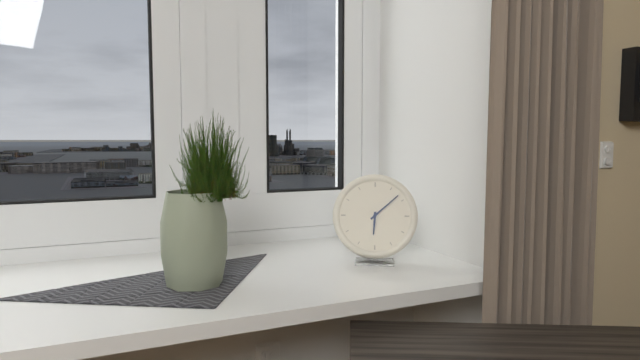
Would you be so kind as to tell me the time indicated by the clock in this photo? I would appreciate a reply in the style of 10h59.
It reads 6h08
